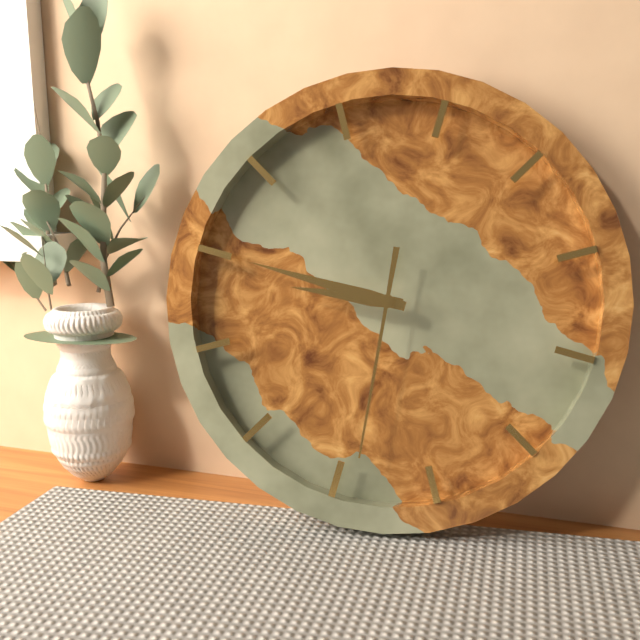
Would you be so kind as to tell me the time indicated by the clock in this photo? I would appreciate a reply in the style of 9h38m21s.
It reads 8h45m29s
